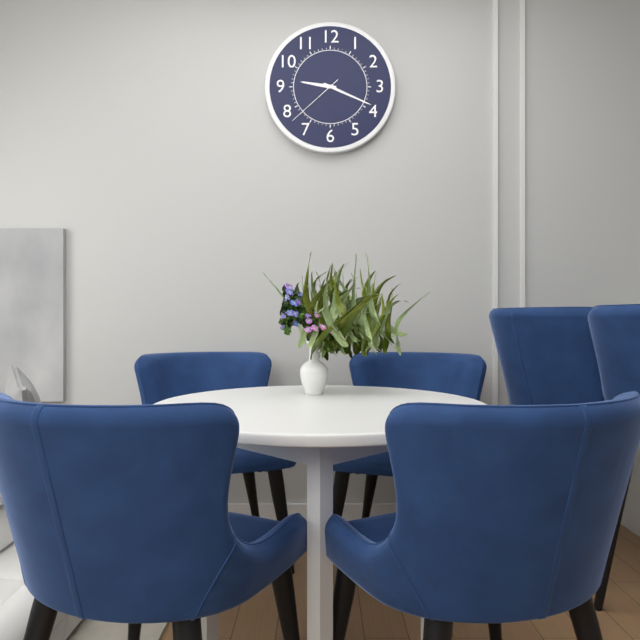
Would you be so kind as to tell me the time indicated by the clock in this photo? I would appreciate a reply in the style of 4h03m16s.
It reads 9h19m38s
